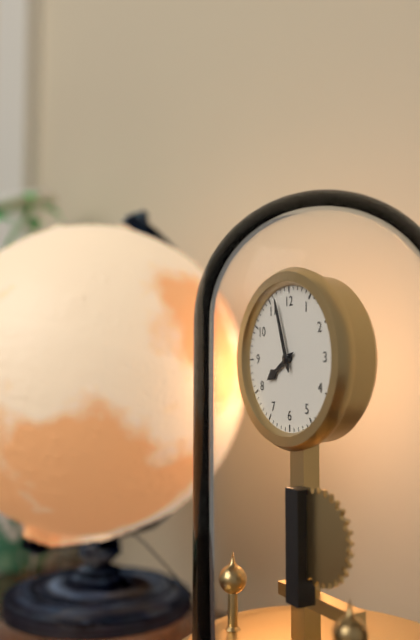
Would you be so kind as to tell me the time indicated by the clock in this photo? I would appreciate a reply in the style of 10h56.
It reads 7h57
